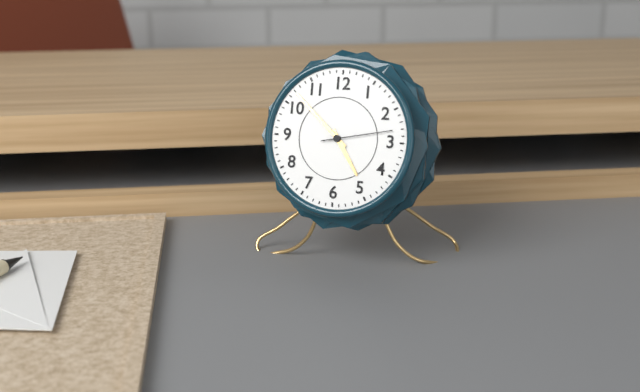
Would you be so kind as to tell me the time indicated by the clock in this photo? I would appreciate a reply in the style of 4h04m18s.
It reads 4h52m13s
